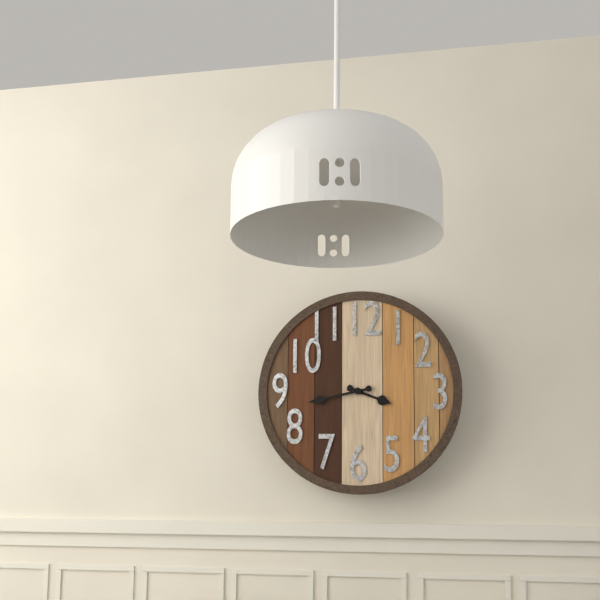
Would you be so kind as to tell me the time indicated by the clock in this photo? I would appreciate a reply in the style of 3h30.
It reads 3h43
